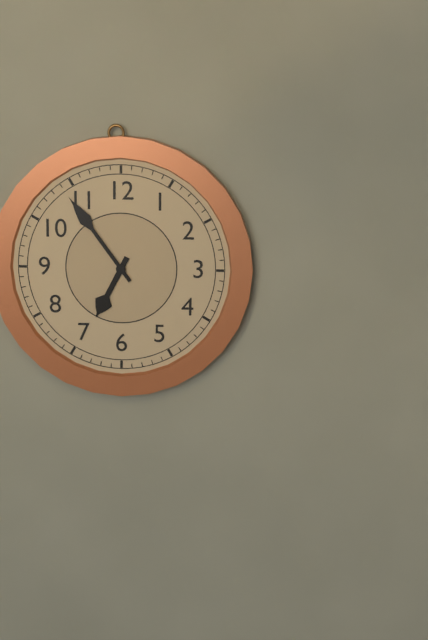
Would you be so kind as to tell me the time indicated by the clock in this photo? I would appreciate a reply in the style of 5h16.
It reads 6h54
